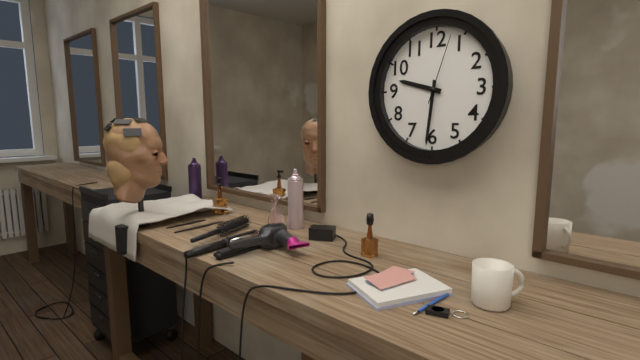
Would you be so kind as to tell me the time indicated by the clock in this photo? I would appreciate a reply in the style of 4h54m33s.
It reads 9h31m03s
